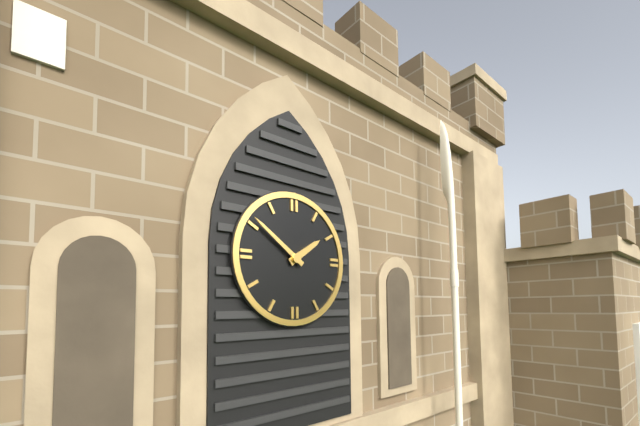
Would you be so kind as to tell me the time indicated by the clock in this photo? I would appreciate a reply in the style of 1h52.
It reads 1h51
